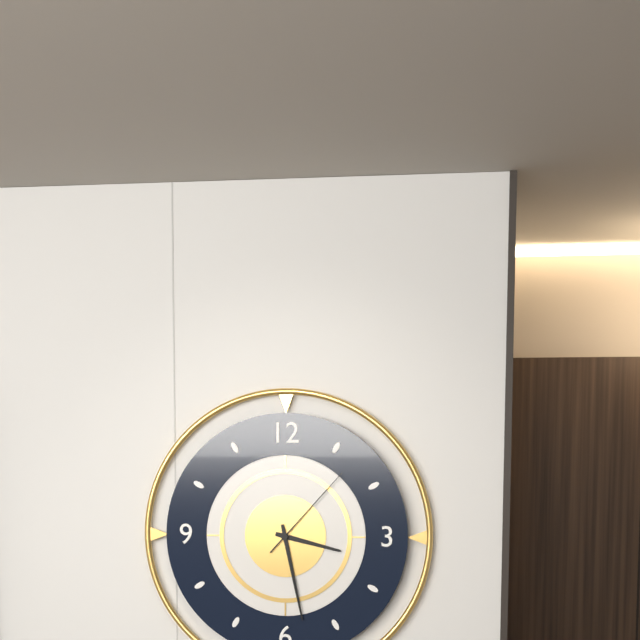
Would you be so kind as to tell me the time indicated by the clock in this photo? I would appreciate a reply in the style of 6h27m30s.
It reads 3h28m07s
